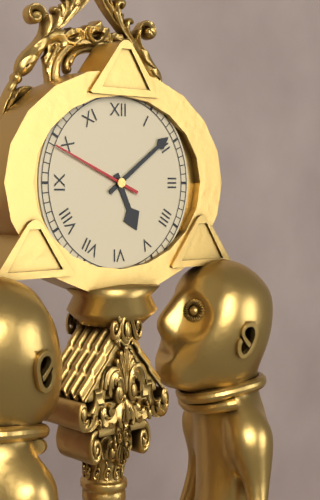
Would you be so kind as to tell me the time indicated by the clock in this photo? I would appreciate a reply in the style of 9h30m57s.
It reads 5h09m49s
